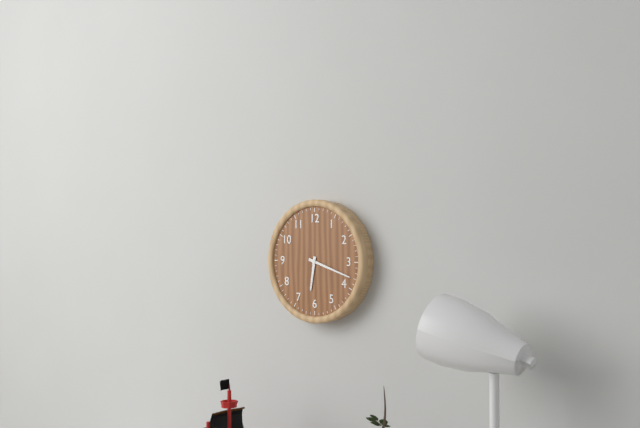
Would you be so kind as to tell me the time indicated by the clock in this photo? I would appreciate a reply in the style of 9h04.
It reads 6h18
